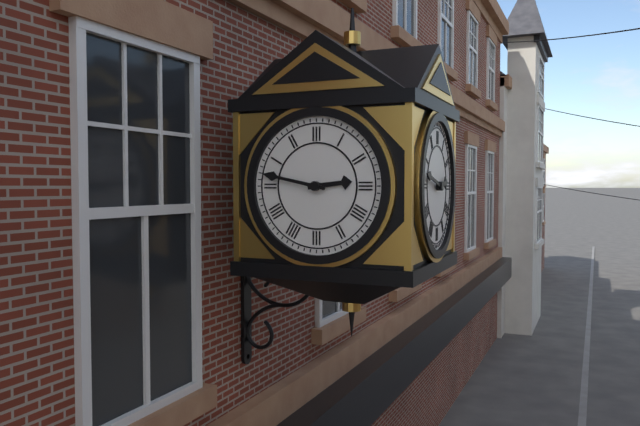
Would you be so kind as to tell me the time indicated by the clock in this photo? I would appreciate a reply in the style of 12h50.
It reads 2h47
